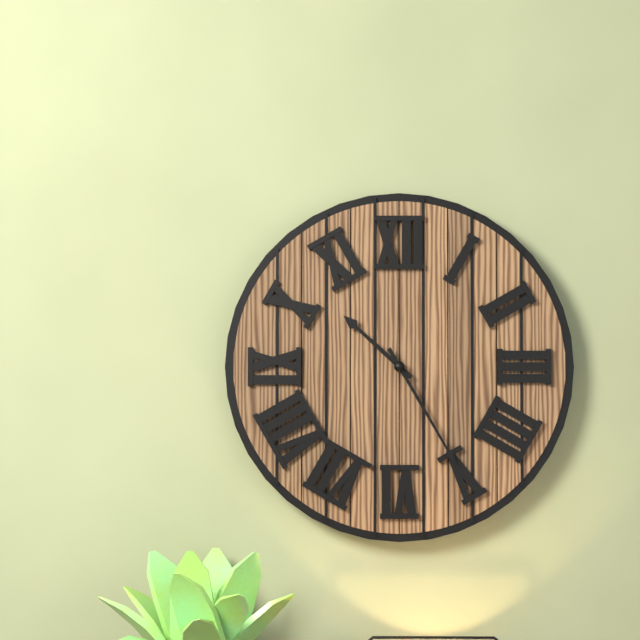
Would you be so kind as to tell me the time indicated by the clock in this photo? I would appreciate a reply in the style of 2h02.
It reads 10h25
